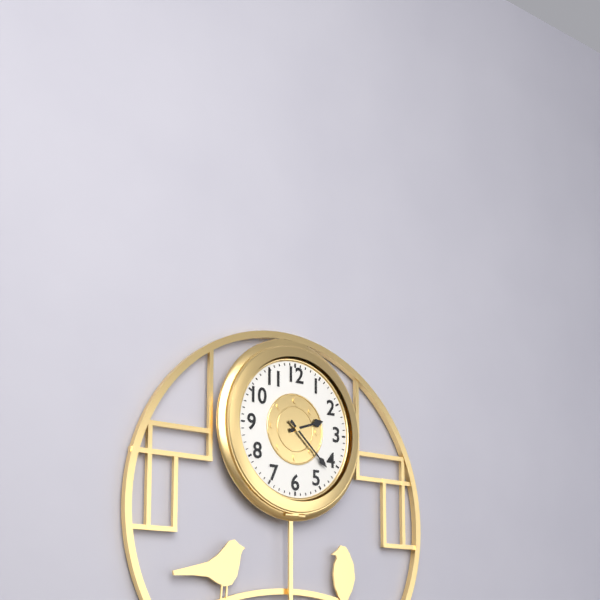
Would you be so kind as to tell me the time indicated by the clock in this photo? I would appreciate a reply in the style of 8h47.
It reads 2h22
